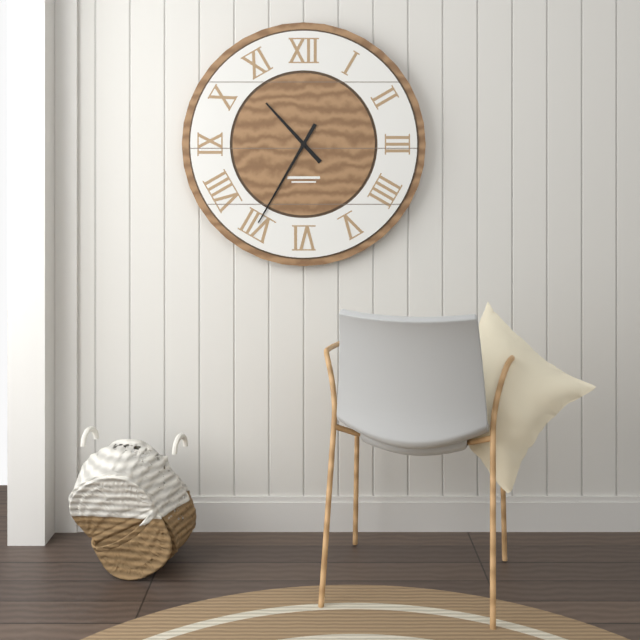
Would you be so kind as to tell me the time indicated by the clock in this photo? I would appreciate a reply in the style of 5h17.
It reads 10h35
